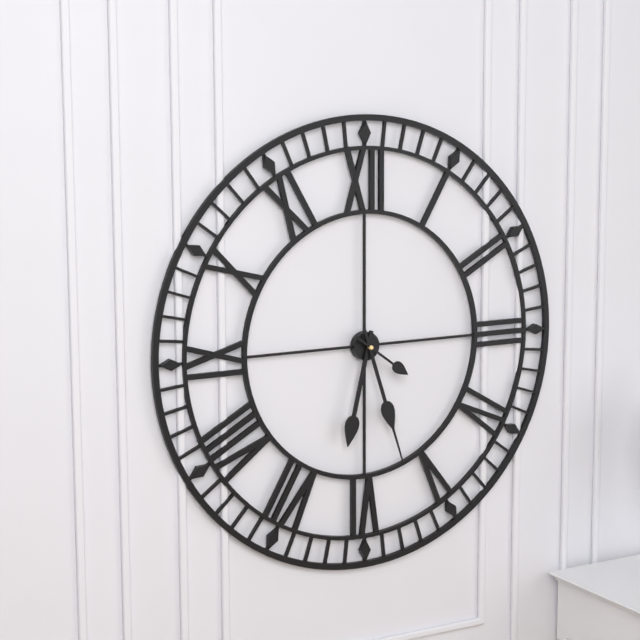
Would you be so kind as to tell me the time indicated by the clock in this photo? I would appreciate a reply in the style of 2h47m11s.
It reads 6h27m21s
